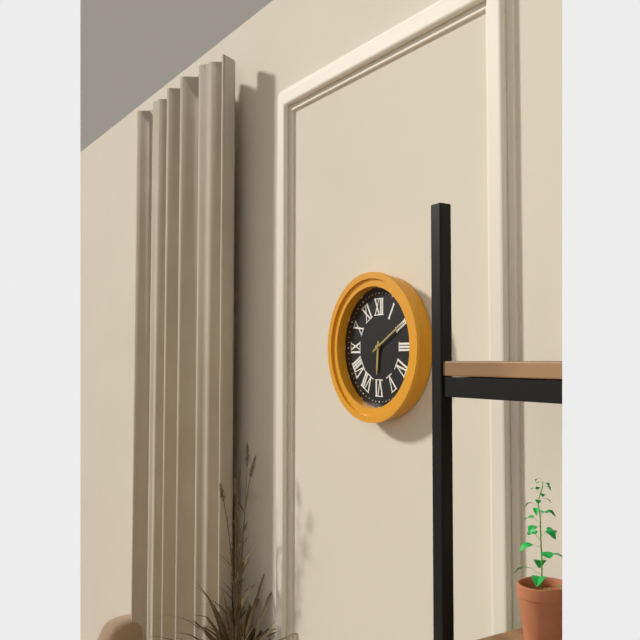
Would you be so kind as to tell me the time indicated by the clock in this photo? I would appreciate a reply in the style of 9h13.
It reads 6h10
